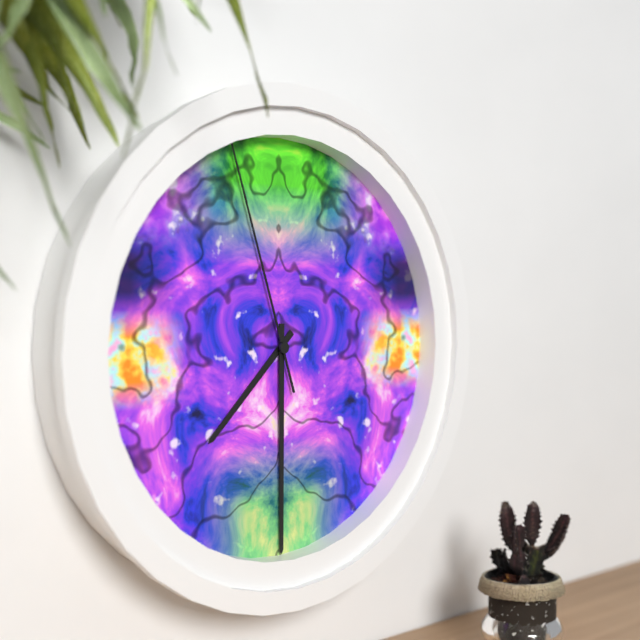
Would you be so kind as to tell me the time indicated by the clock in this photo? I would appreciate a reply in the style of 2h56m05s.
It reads 7h30m57s
